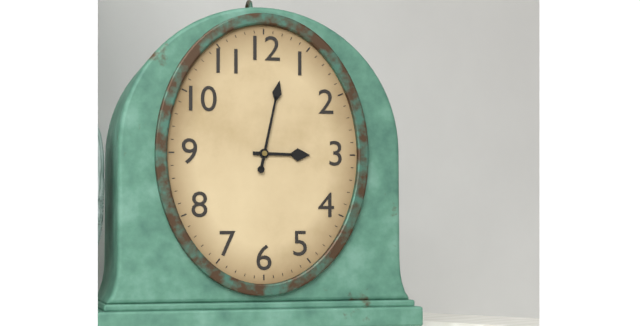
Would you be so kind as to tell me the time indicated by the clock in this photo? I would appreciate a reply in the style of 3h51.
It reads 3h02
